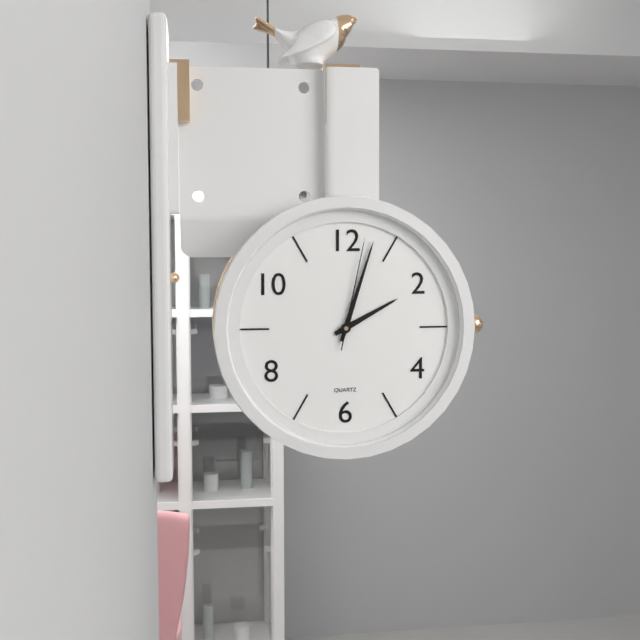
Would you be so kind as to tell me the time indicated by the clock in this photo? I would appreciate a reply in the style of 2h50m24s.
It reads 2h03m02s
